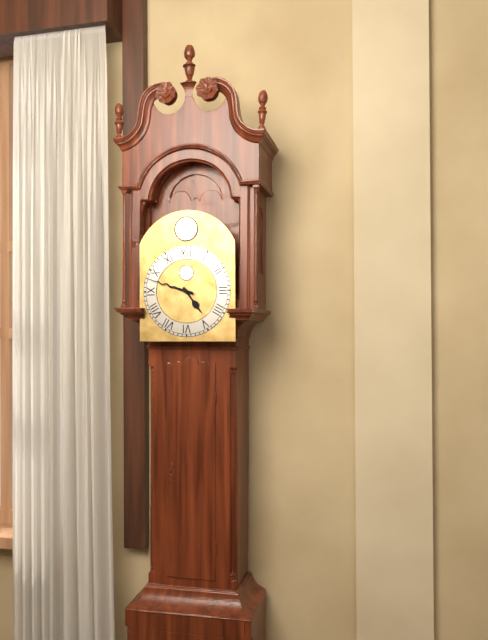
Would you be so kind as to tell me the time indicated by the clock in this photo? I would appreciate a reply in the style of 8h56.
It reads 4h48
